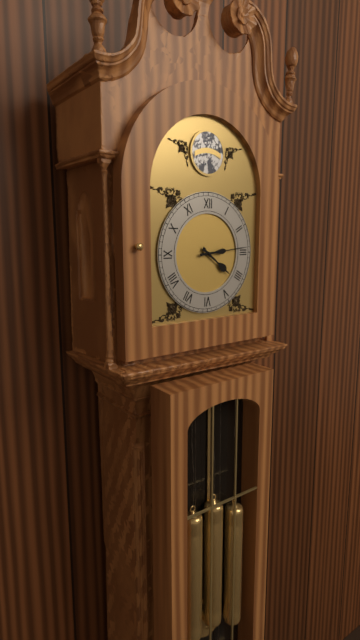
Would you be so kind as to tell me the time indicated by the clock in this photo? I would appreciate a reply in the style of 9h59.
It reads 4h14
